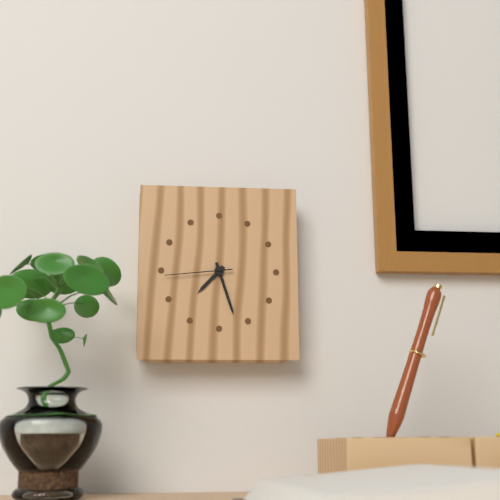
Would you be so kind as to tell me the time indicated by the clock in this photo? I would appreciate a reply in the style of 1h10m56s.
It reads 7h27m44s
